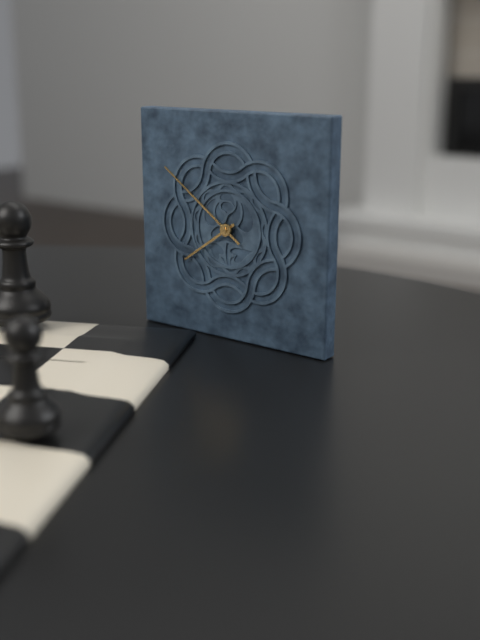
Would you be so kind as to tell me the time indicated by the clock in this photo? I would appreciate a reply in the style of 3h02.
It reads 7h51
